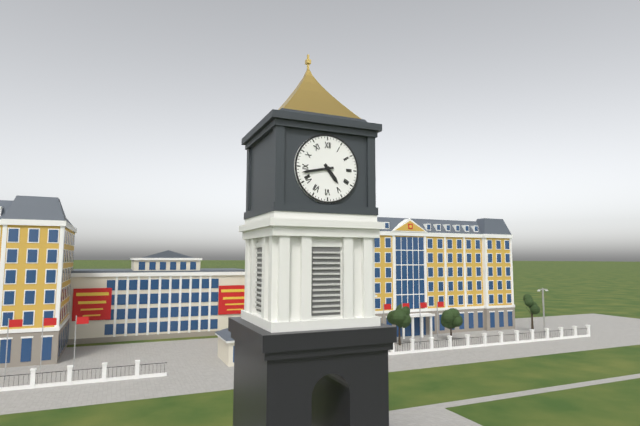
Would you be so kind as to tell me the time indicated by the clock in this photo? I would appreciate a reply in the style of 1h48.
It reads 4h43
